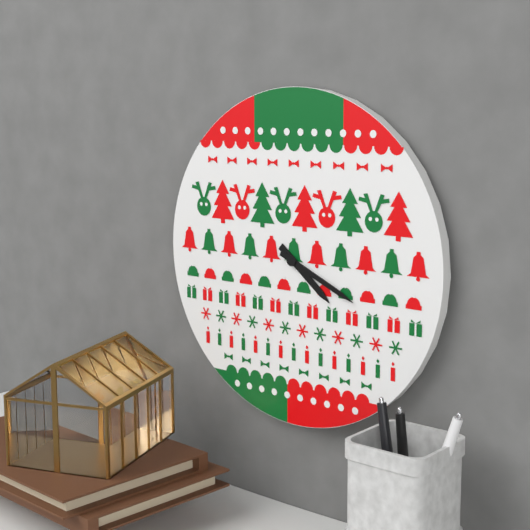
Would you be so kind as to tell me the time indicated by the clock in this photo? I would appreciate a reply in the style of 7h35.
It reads 4h19
